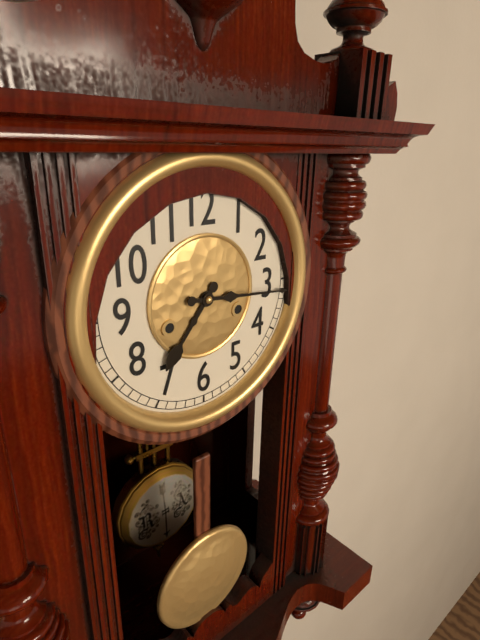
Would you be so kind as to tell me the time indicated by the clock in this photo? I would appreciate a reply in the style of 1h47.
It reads 7h16
